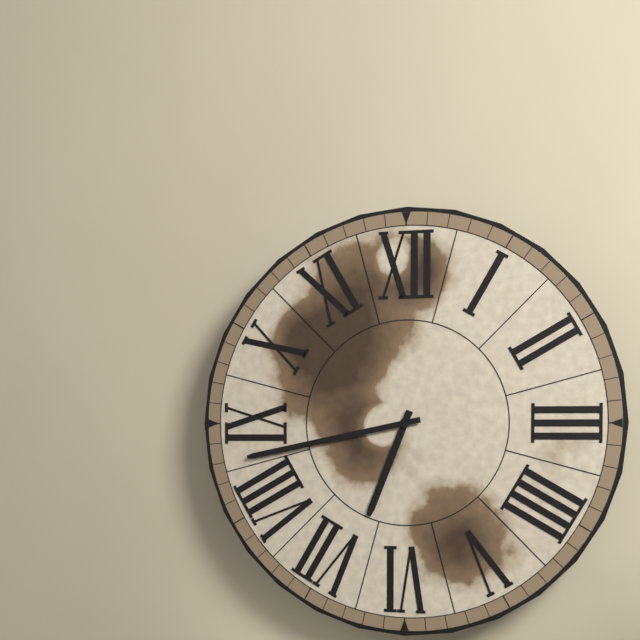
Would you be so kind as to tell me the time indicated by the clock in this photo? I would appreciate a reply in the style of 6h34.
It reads 6h43
